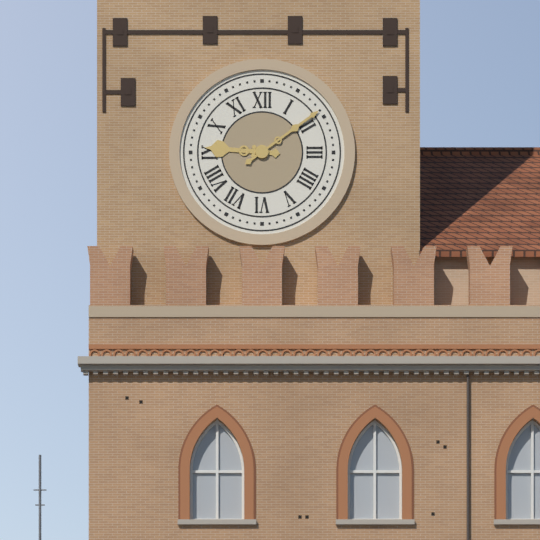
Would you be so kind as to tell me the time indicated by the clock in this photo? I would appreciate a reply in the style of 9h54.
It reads 9h09
